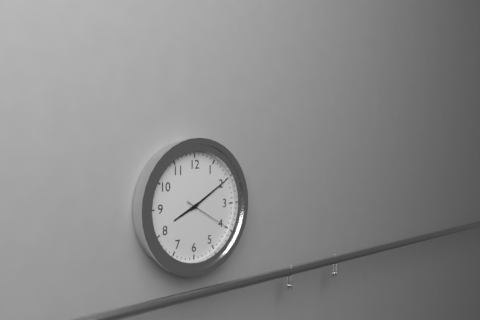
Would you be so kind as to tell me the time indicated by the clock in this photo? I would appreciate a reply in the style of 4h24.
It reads 8h10
